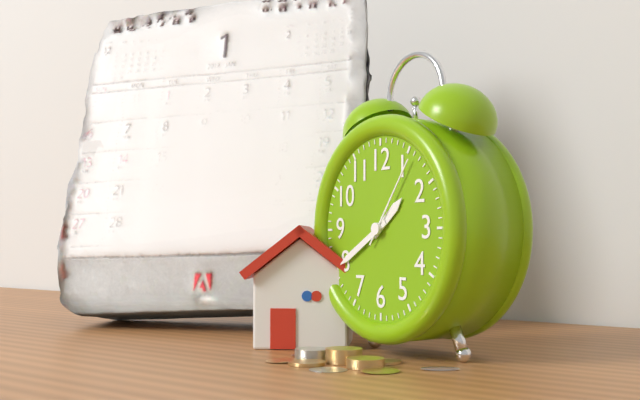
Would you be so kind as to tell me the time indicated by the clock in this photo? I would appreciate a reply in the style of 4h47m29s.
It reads 1h40m06s
